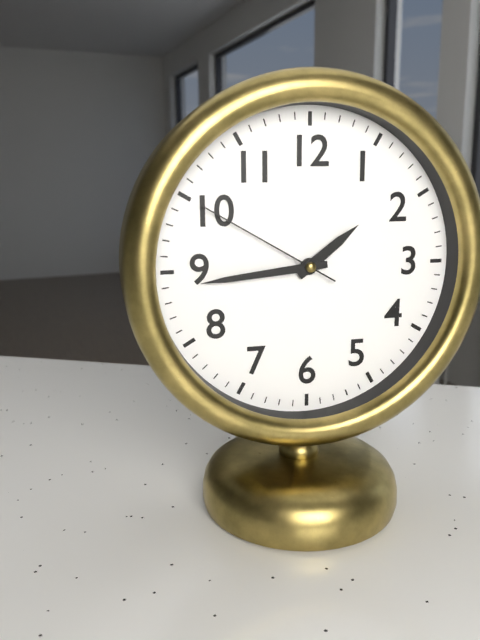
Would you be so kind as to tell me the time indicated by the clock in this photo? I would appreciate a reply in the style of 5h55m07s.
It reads 1h44m50s
